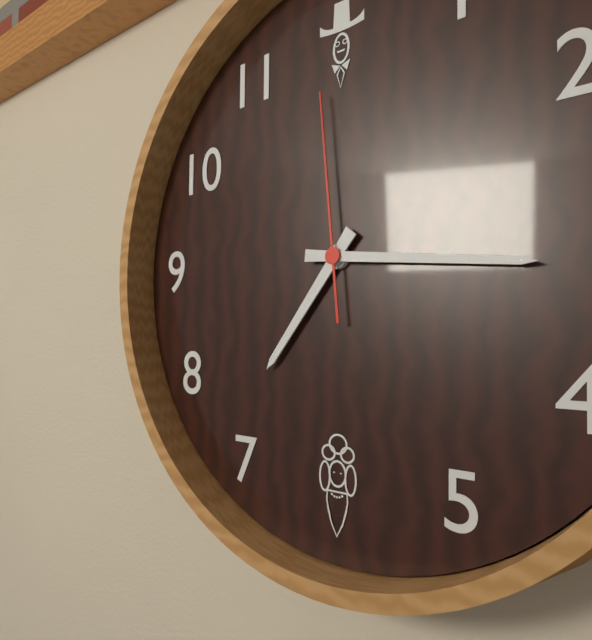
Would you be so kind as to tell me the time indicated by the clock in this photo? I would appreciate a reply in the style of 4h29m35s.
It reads 7h16m59s
